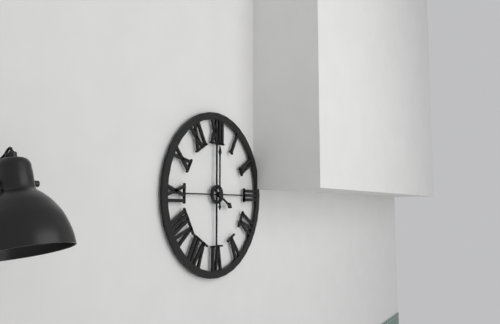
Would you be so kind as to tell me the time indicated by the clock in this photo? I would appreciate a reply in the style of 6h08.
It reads 4h00
